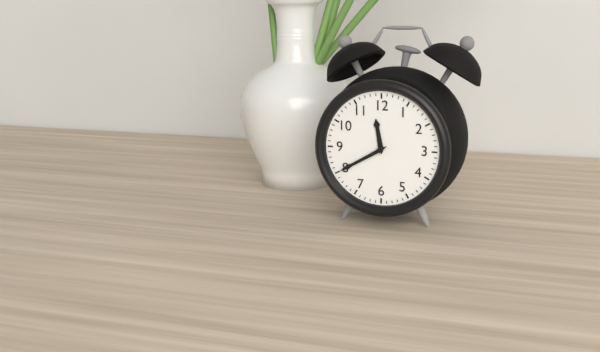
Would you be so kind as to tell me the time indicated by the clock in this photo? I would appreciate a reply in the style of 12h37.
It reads 11h40
